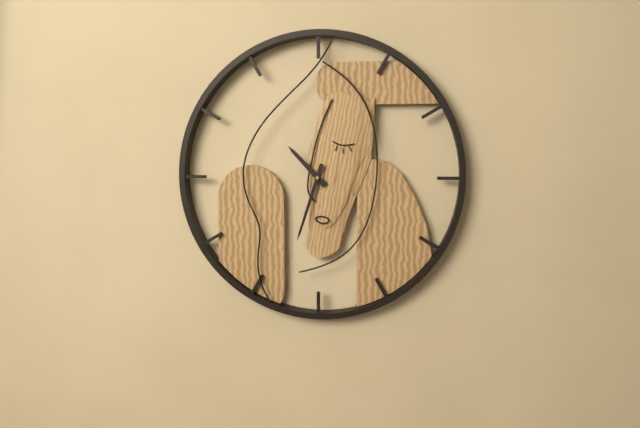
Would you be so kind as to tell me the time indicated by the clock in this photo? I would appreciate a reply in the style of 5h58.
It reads 10h33
